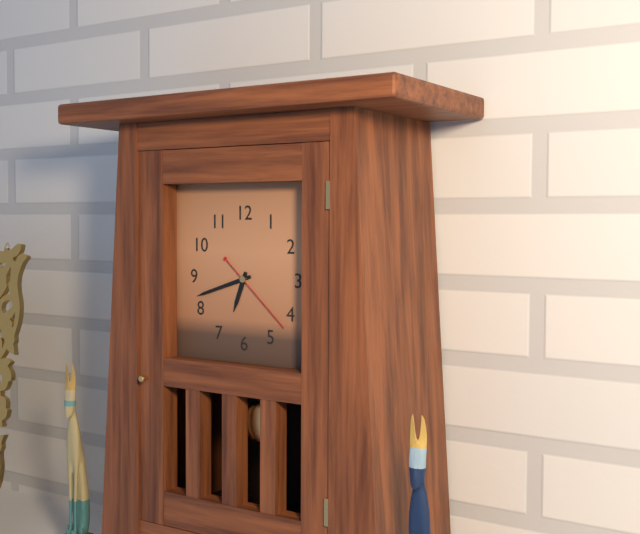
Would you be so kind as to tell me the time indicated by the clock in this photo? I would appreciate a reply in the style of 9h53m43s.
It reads 6h42m22s
